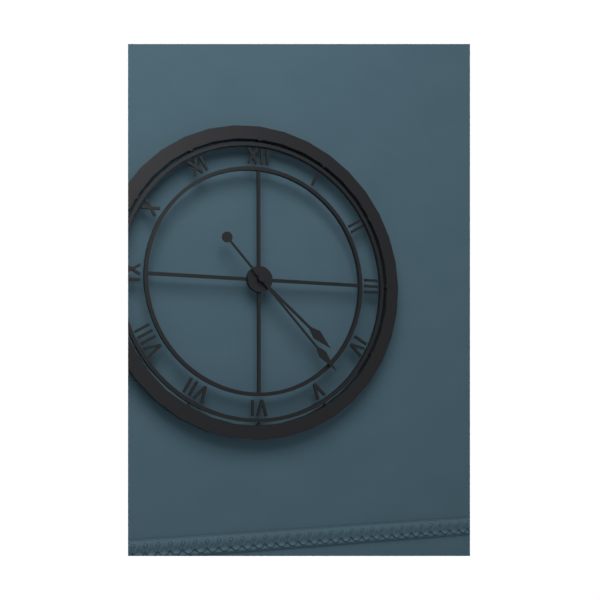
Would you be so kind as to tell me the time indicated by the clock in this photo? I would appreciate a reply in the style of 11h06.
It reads 4h23
